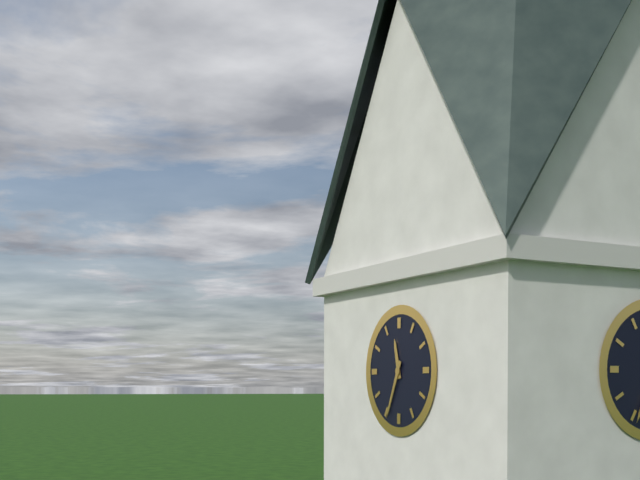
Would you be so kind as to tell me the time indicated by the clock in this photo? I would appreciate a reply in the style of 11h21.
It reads 11h34
